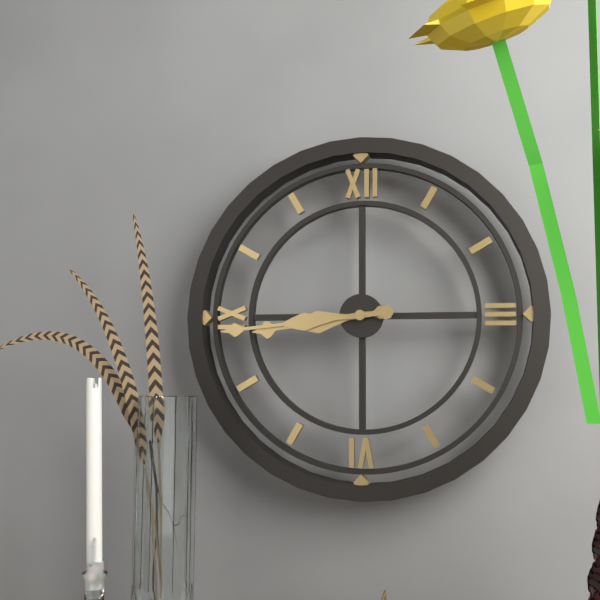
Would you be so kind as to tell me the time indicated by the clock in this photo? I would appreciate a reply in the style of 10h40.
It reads 8h44
